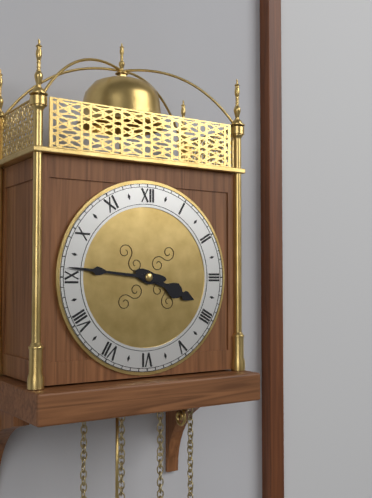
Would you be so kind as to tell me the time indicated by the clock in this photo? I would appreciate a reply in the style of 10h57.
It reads 3h46
